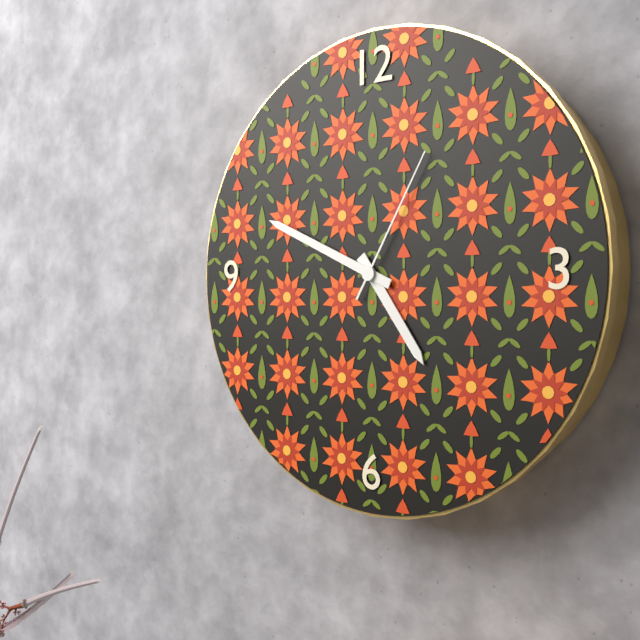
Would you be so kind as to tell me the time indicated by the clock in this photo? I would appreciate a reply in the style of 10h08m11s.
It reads 4h49m05s
